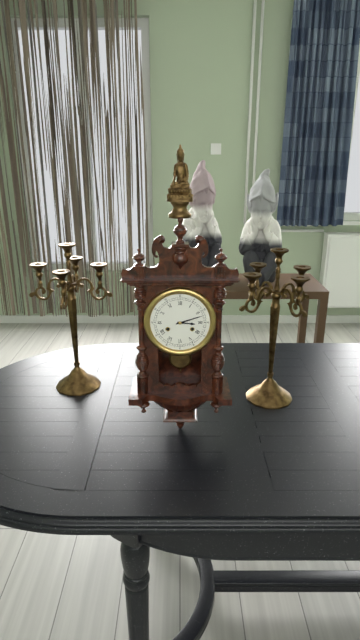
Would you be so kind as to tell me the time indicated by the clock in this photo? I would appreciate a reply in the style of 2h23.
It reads 3h12
